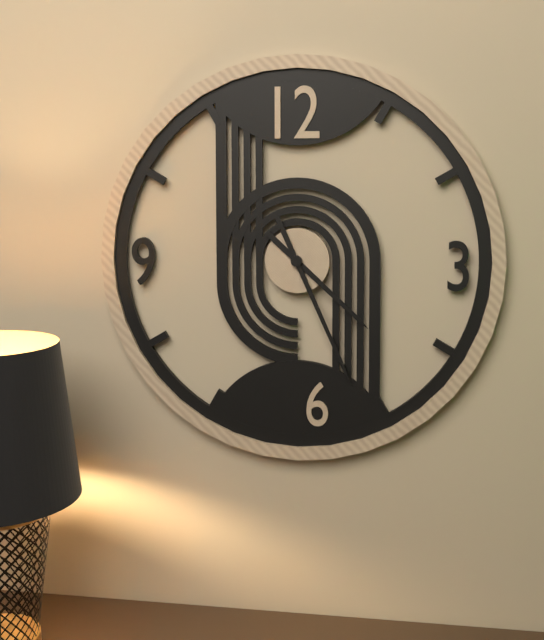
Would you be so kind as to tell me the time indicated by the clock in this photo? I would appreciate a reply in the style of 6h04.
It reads 4h26
